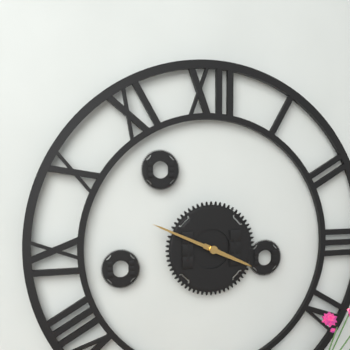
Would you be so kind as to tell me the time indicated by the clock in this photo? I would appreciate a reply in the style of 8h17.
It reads 3h49
